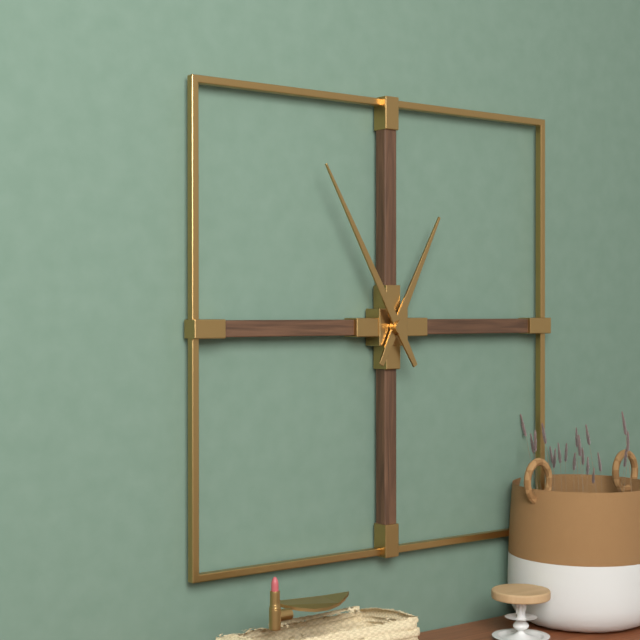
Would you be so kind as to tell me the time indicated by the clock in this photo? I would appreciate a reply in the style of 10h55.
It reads 12h55
